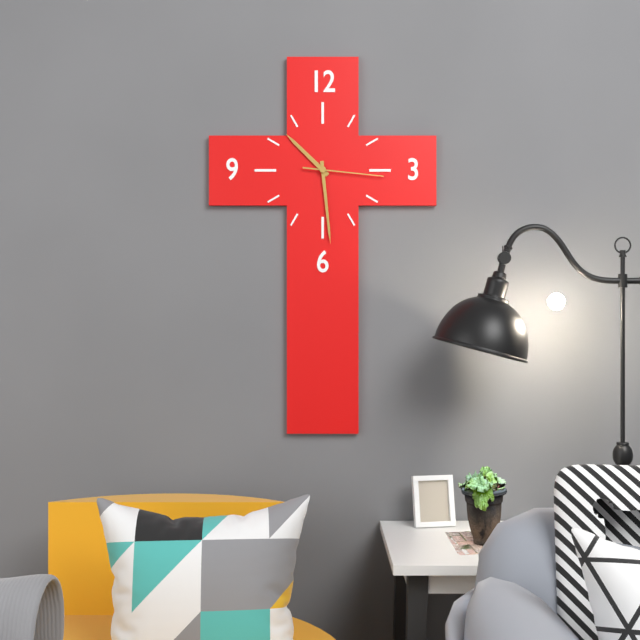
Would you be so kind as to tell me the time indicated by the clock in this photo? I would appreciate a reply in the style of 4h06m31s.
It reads 10h29m16s
